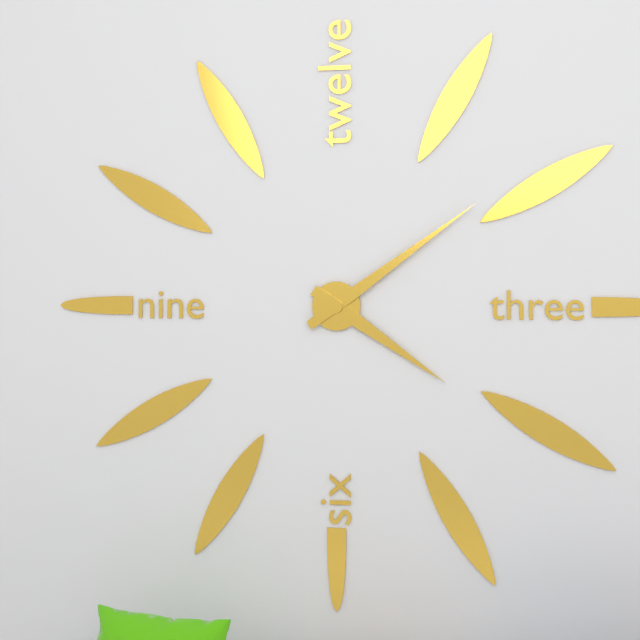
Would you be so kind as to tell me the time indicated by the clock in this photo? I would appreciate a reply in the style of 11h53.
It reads 4h09
